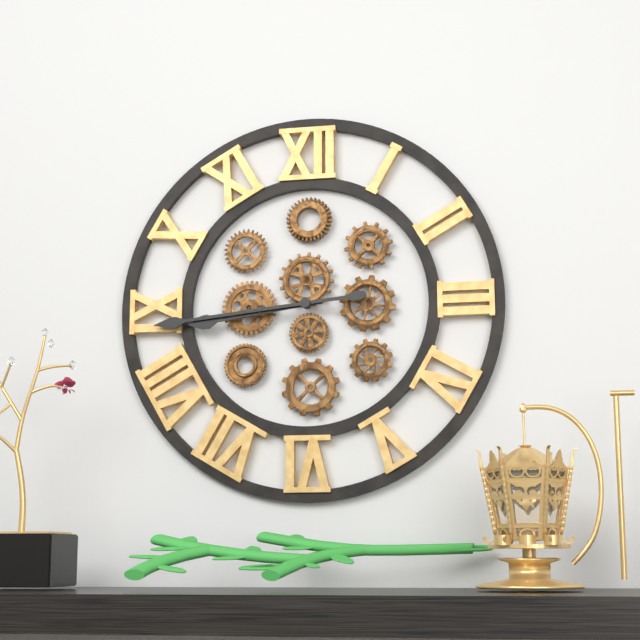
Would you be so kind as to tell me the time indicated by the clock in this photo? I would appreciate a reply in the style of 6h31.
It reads 8h44
